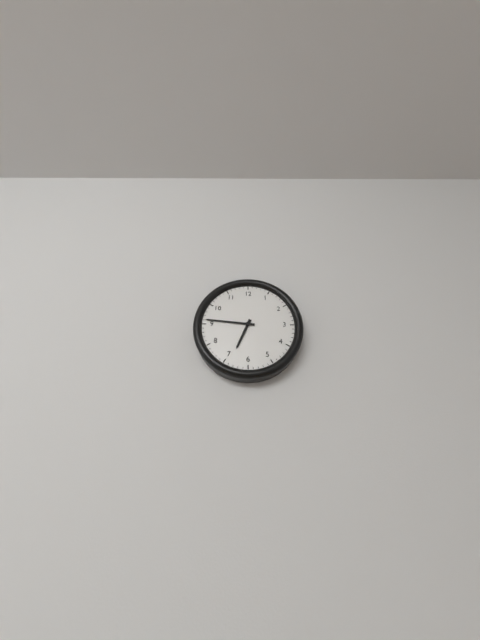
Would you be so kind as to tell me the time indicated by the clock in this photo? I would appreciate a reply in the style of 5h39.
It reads 6h46
